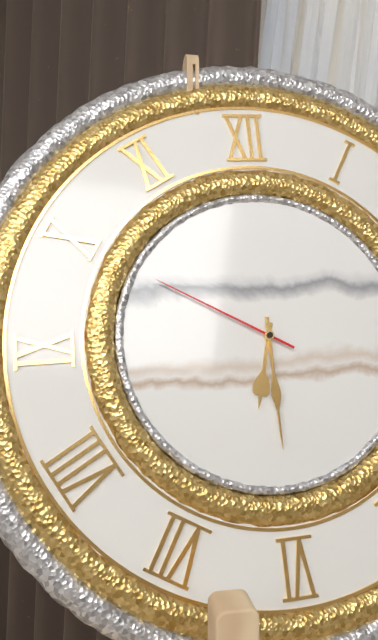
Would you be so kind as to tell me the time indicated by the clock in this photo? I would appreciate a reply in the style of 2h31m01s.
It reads 6h30m50s
